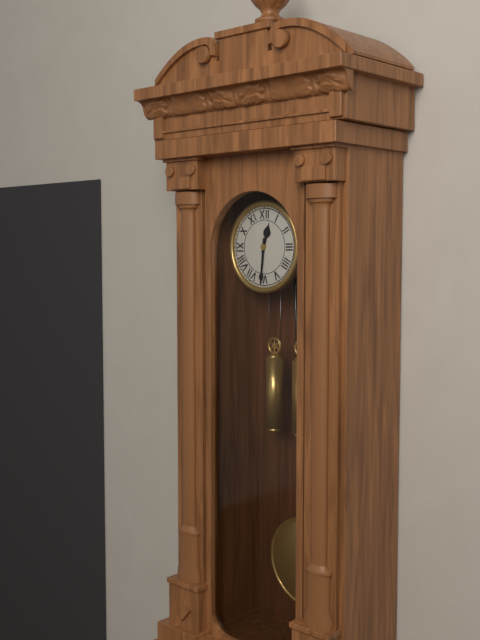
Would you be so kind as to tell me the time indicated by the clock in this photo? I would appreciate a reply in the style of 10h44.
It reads 12h31
